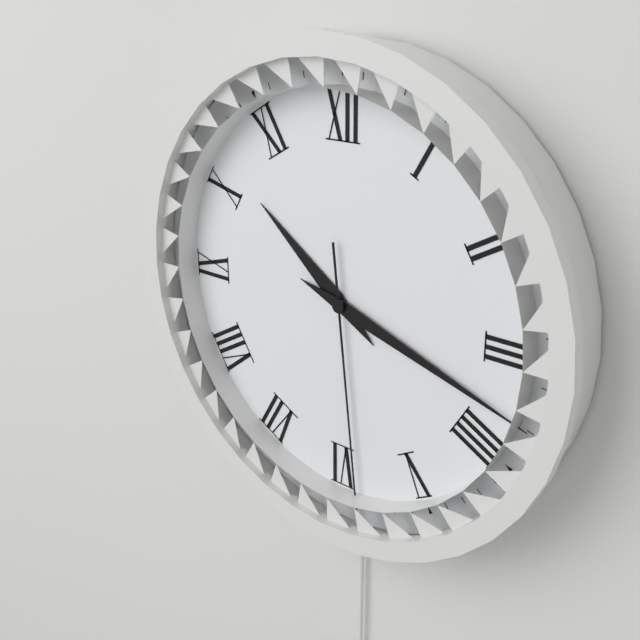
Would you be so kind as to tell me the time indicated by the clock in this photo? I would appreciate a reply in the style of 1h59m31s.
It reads 10h18m29s
